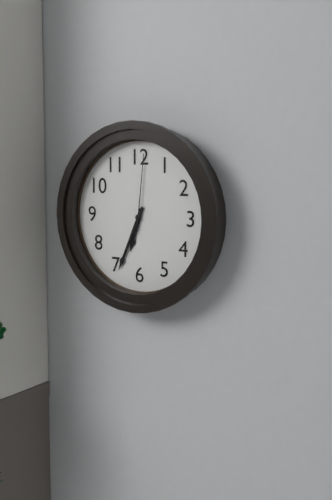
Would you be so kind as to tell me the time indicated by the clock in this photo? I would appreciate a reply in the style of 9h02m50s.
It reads 6h34m01s
